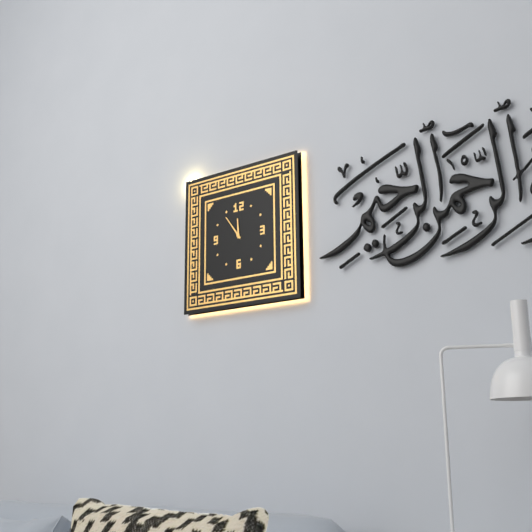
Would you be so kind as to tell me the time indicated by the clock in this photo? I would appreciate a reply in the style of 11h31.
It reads 11h54
